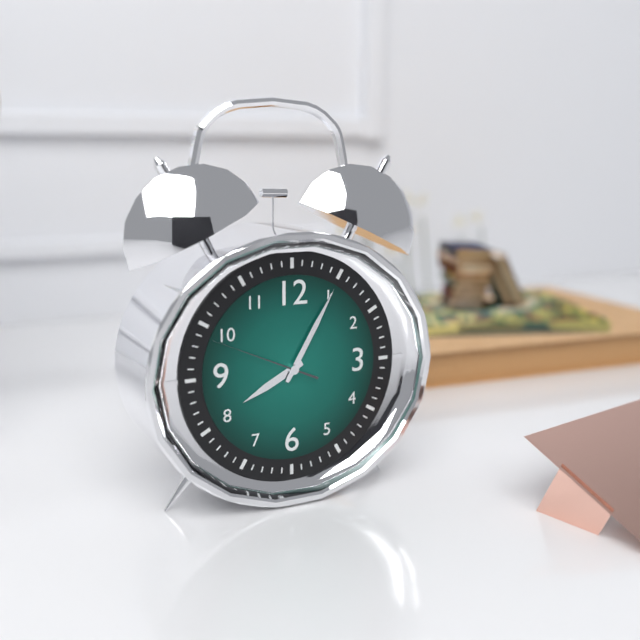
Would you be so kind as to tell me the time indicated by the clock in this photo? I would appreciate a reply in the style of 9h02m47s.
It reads 8h05m49s
